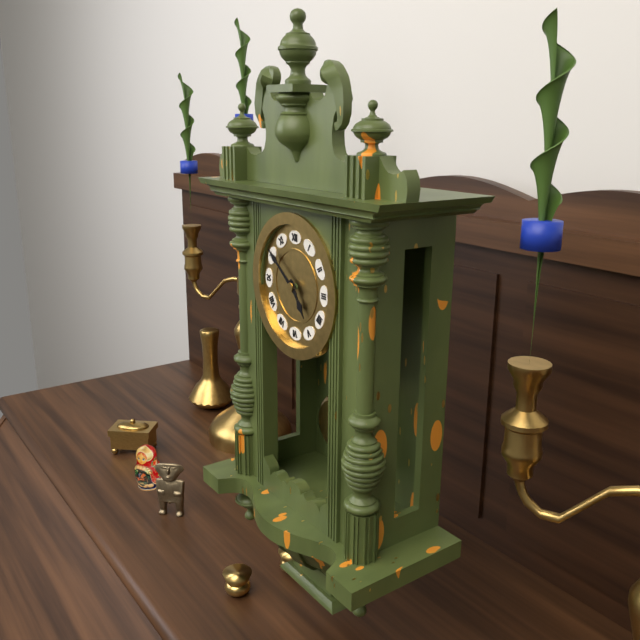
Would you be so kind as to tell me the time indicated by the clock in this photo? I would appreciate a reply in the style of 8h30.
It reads 4h51
